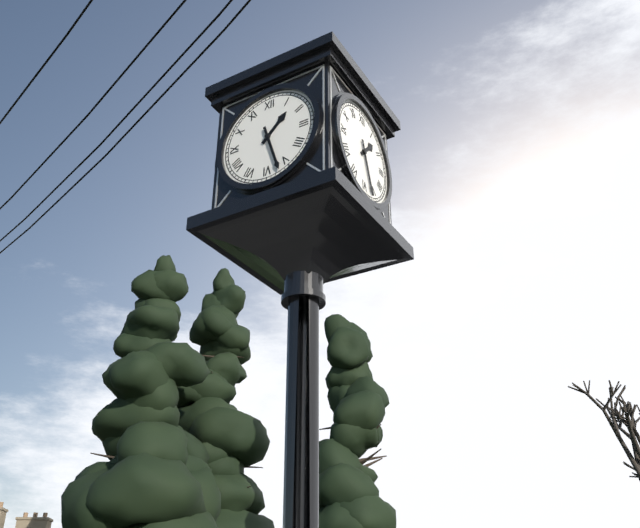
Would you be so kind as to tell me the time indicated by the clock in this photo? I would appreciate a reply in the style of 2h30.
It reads 1h27
